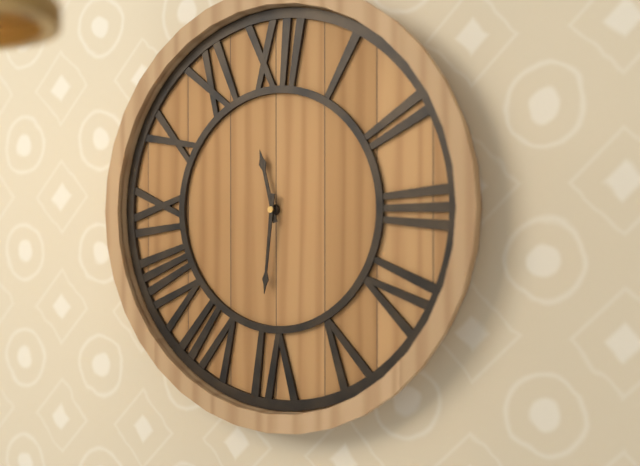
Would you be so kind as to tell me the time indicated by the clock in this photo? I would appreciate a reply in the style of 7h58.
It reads 11h31
